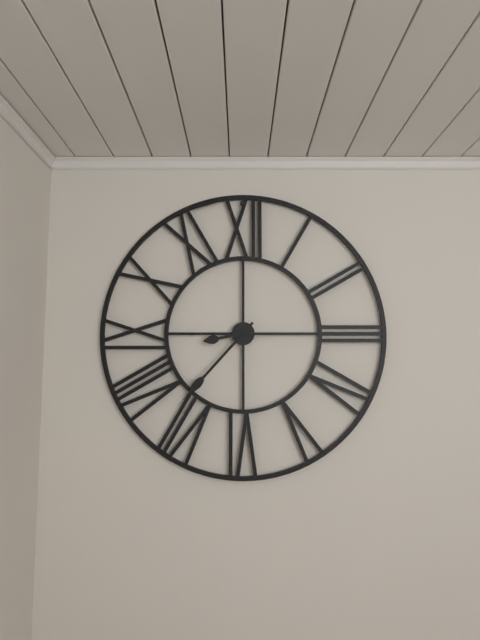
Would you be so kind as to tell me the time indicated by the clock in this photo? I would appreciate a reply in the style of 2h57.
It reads 8h37
